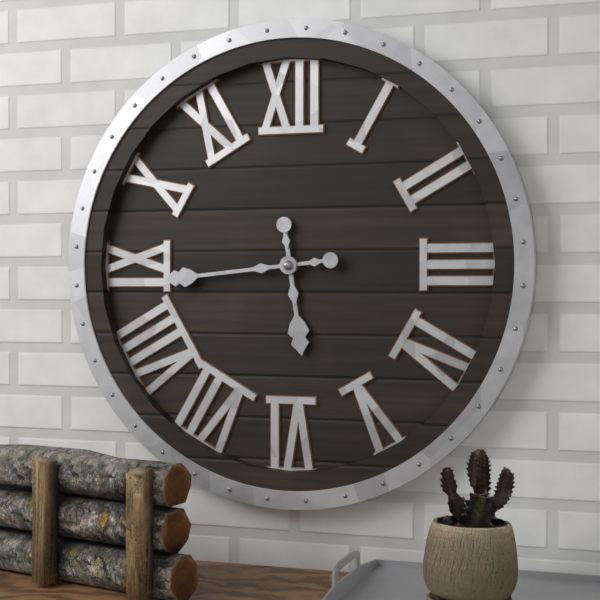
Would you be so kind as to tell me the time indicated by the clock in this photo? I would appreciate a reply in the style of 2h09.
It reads 5h44
